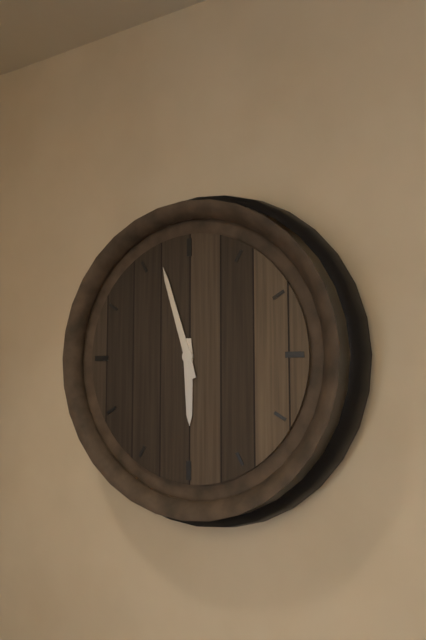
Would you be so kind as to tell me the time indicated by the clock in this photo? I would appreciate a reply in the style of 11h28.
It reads 5h57
